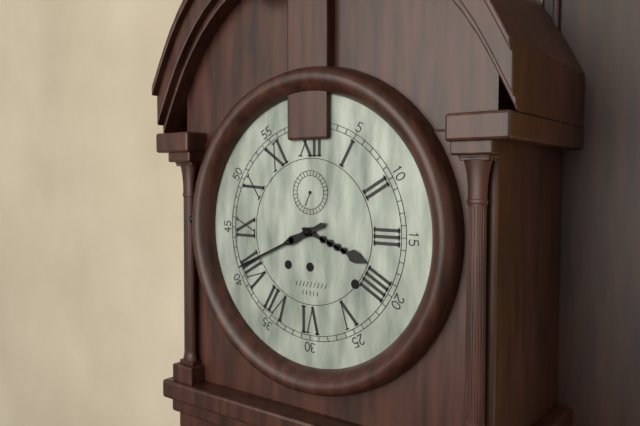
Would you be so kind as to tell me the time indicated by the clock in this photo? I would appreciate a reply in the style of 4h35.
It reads 3h41
